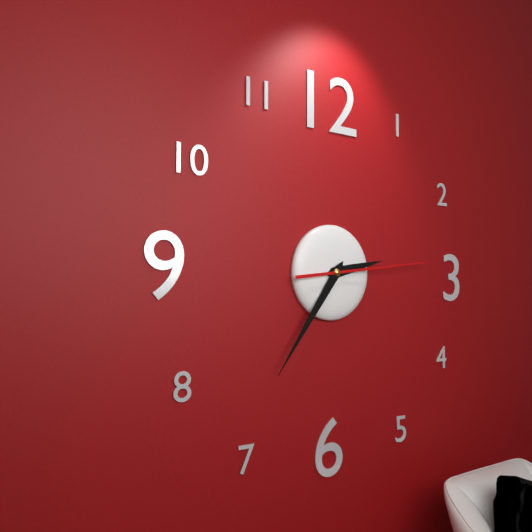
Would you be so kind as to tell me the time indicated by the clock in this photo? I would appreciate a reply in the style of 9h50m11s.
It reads 2h36m14s
